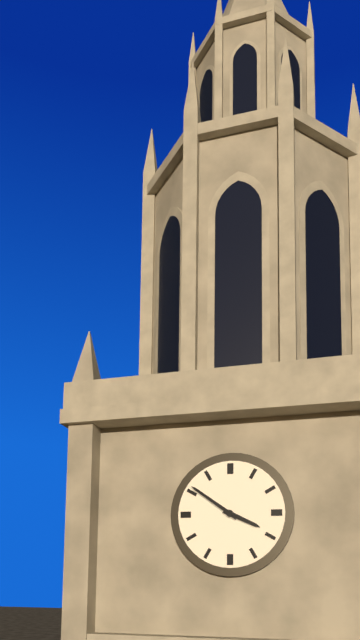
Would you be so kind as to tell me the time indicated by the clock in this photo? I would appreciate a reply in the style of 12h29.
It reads 3h51
